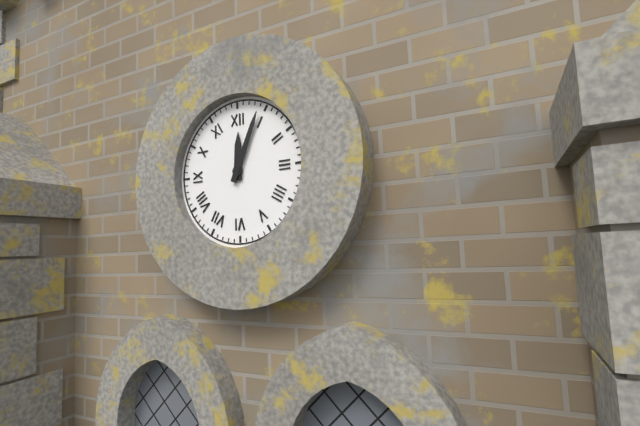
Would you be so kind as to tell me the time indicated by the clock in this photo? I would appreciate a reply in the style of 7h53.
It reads 12h04
